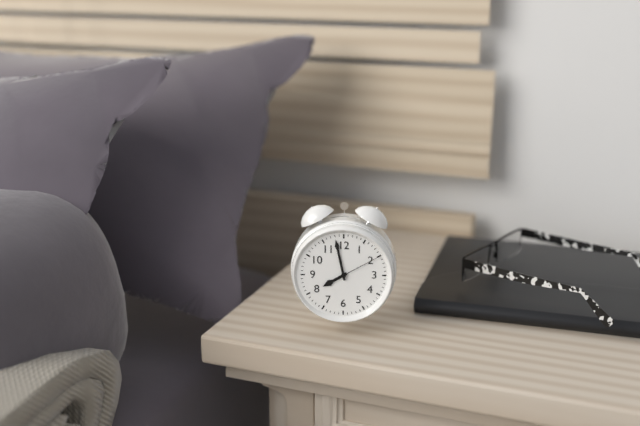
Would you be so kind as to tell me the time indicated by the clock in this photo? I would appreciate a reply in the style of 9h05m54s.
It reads 7h58m10s
